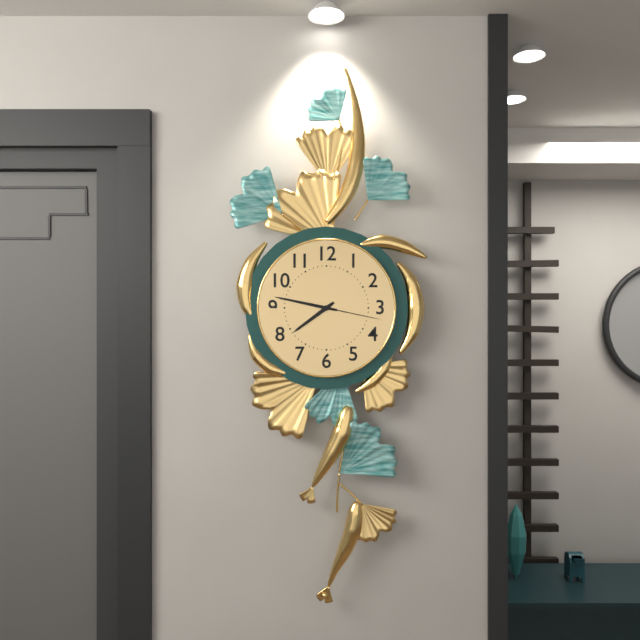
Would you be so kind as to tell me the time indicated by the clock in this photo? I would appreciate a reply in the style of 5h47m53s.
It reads 7h47m17s
